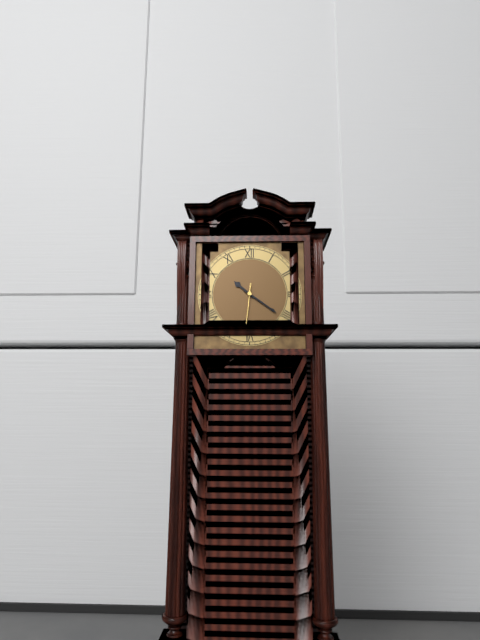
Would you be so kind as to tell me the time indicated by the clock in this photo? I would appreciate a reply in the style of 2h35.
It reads 10h21
